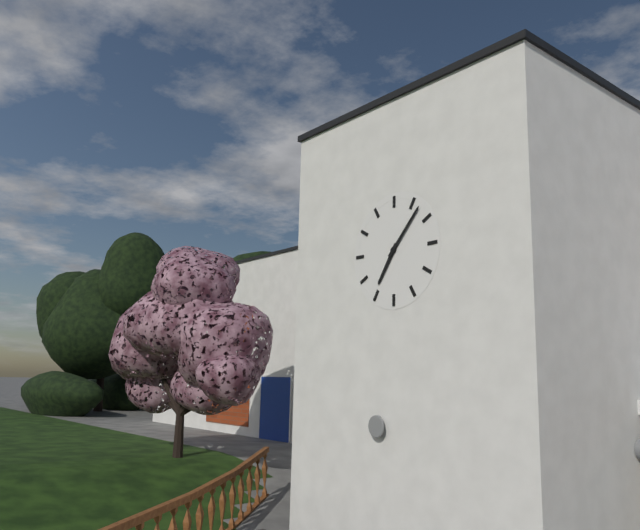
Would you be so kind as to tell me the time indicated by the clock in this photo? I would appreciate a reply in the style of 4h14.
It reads 7h07
